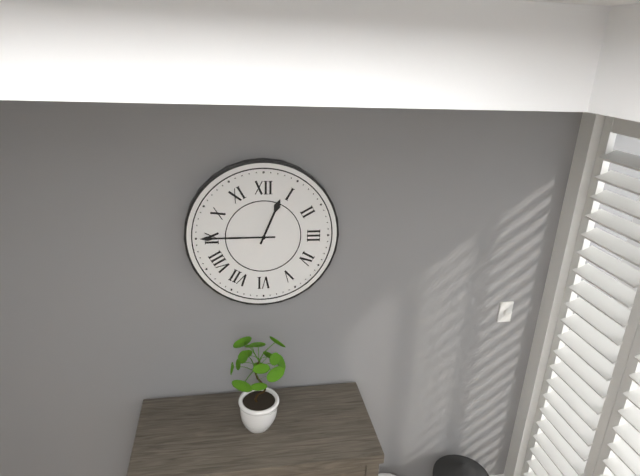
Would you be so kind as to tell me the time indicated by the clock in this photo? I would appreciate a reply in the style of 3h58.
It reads 12h45
